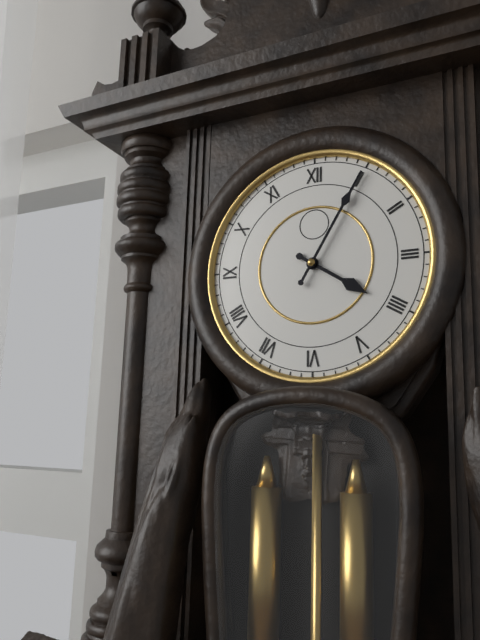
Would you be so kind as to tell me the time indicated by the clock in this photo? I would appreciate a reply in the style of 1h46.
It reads 4h05
